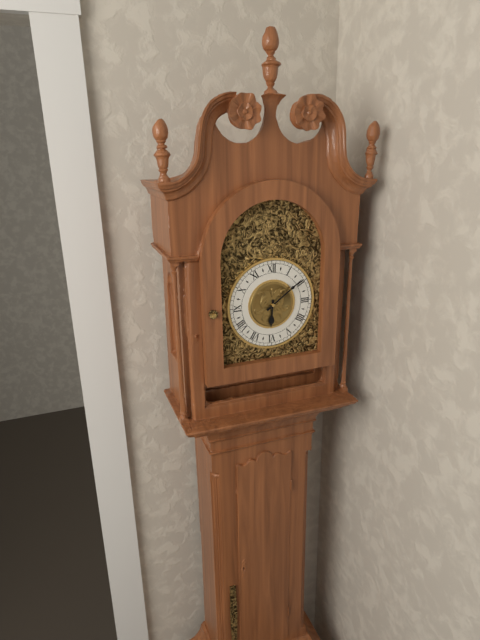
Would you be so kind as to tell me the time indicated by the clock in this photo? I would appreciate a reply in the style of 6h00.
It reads 6h09
